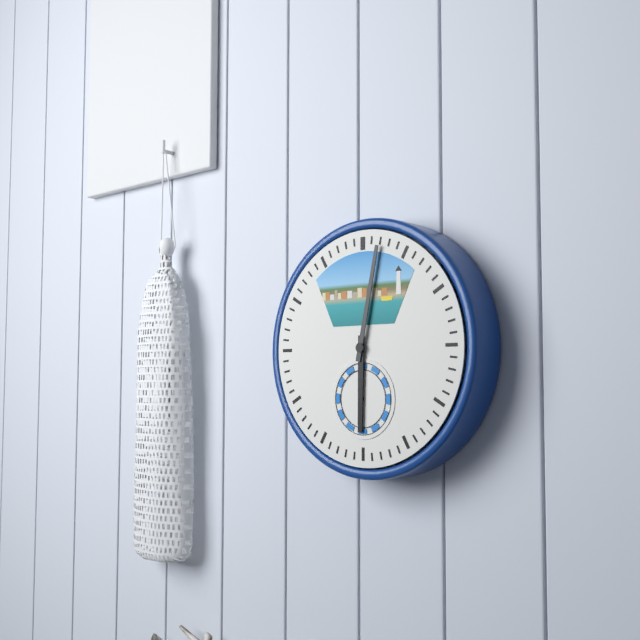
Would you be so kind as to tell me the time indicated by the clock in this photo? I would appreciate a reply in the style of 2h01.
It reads 6h02
